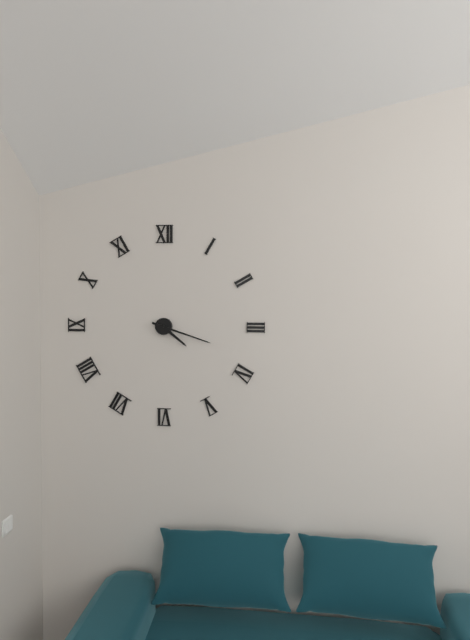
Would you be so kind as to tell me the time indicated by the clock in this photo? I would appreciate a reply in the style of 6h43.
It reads 4h18
